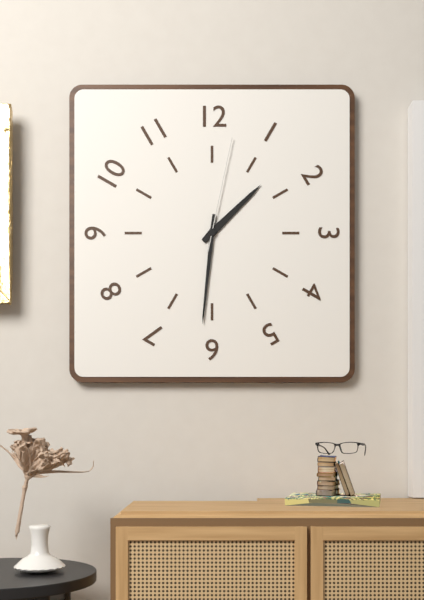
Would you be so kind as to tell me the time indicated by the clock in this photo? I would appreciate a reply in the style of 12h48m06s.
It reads 1h31m02s
